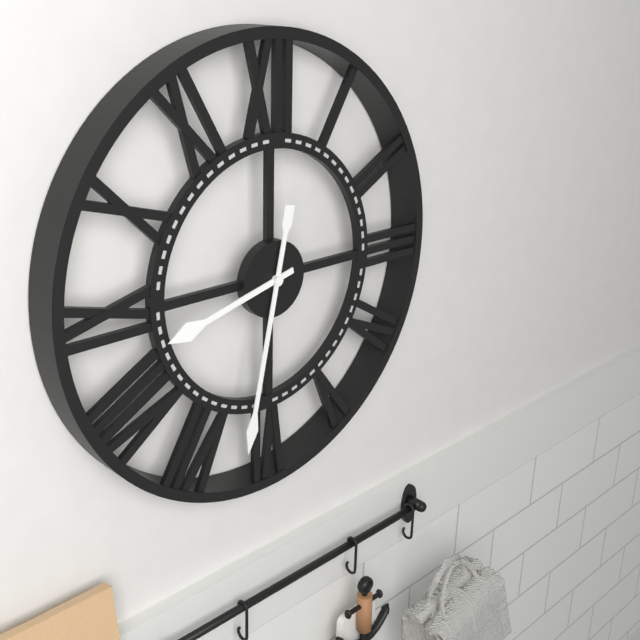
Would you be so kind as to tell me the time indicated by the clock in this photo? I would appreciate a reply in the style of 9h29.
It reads 8h32
